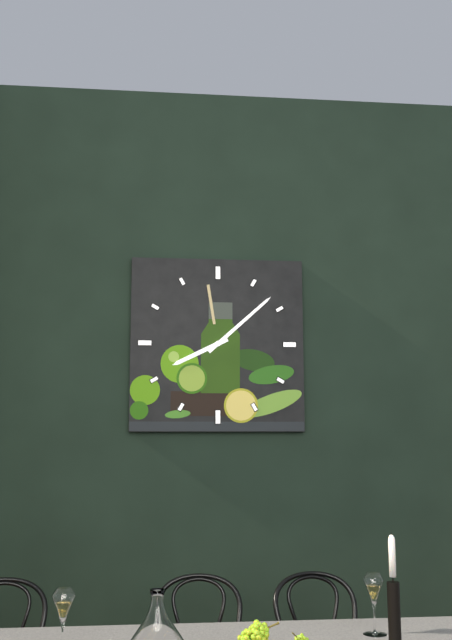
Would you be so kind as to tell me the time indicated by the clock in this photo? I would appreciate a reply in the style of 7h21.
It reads 8h08
